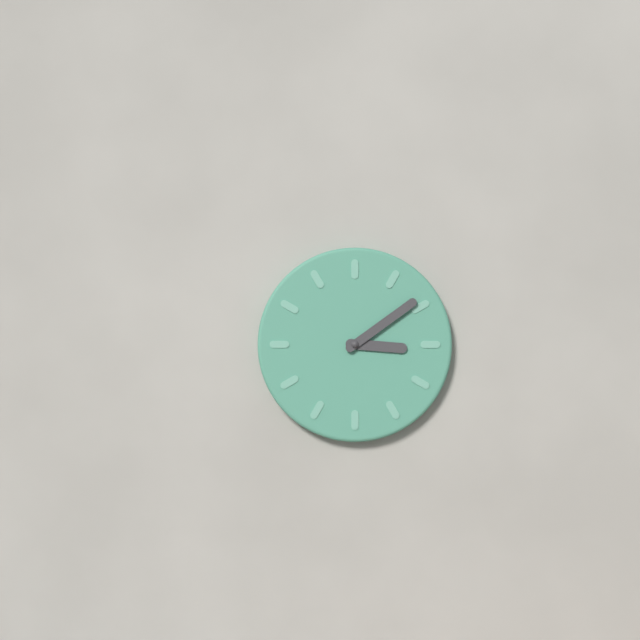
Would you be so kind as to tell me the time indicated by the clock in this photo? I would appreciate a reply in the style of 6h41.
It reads 3h09
